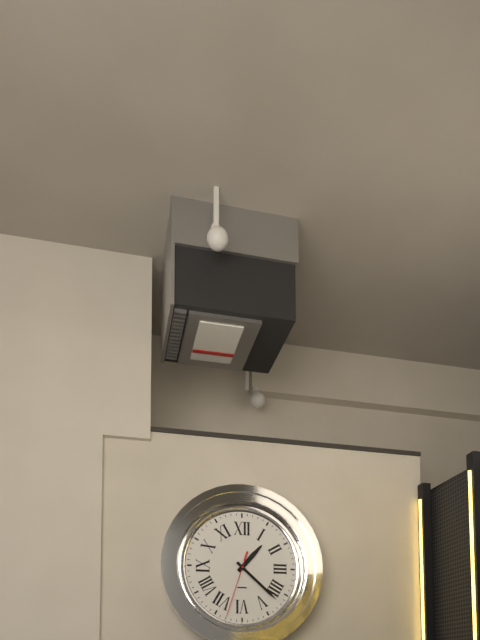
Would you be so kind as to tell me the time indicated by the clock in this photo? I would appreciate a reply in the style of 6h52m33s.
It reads 1h22m33s
